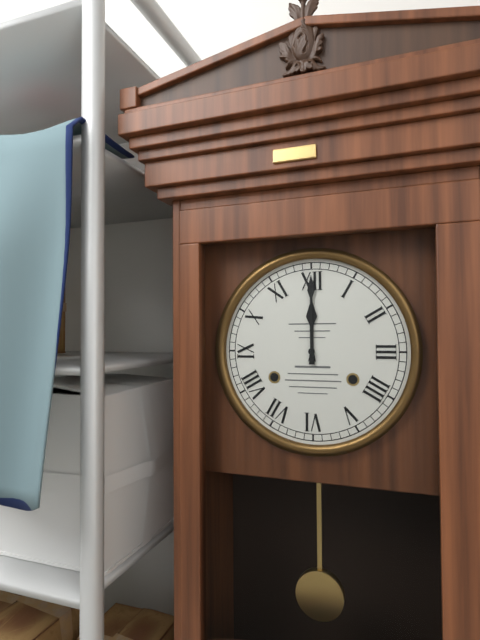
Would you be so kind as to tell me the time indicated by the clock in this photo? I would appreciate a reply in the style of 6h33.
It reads 12h00
